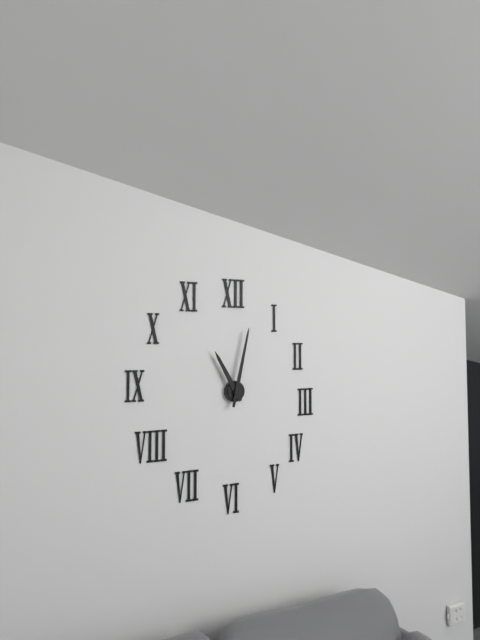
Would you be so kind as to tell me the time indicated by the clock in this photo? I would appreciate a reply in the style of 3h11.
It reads 11h02
